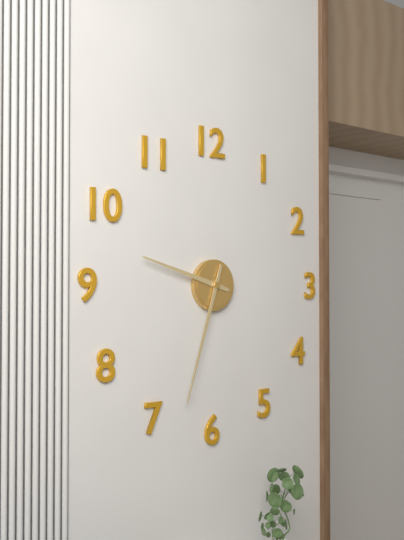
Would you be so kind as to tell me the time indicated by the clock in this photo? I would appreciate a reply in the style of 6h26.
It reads 9h33
